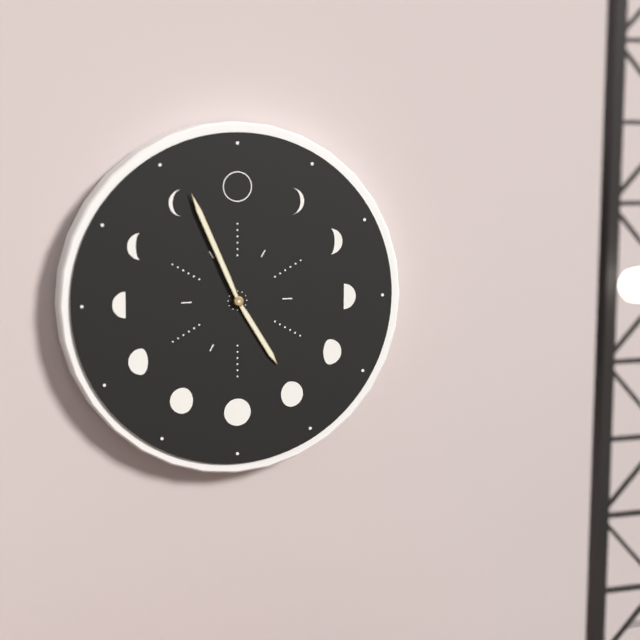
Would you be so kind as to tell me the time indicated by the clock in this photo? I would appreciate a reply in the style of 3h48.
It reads 4h56
